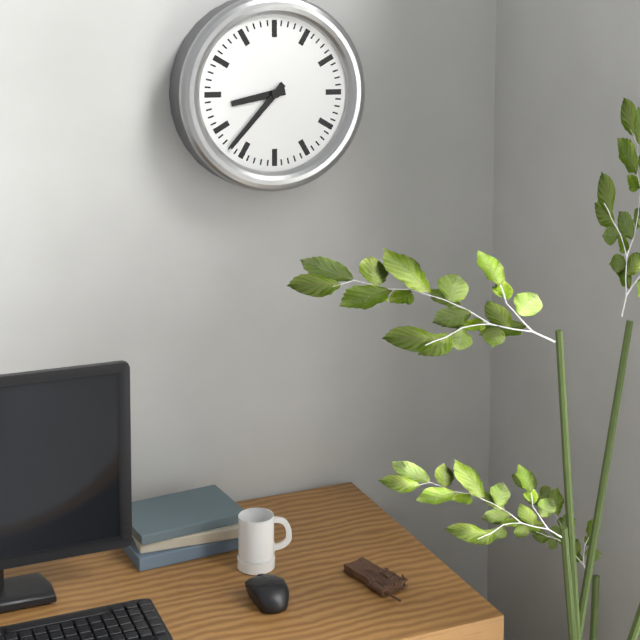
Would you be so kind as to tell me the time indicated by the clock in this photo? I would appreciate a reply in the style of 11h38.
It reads 8h37
